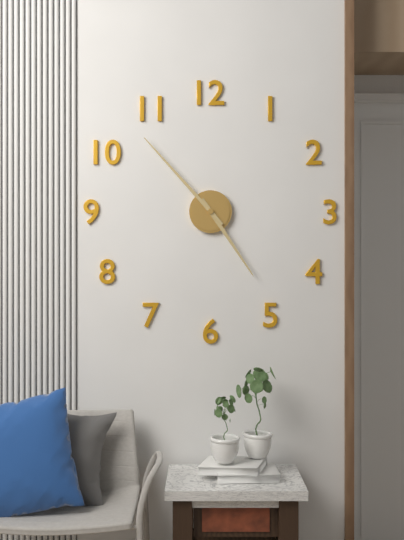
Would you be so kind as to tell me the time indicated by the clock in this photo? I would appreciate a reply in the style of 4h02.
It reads 4h53
